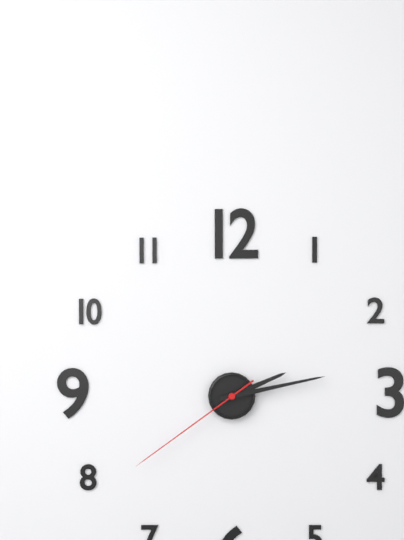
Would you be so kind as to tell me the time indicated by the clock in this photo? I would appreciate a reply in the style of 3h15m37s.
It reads 2h13m39s
